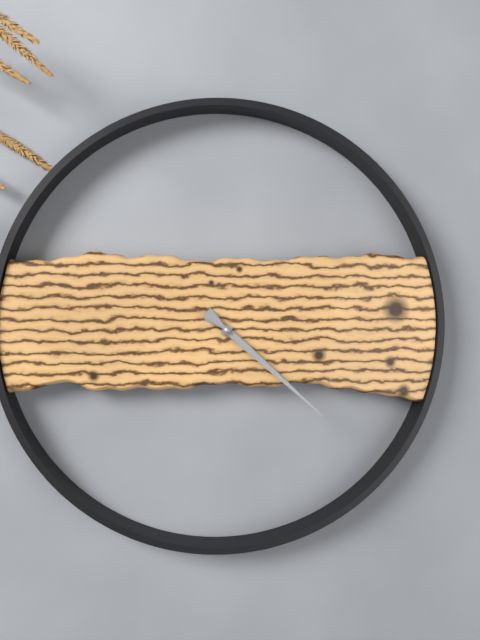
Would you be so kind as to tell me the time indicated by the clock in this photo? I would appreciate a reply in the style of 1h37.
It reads 4h22
